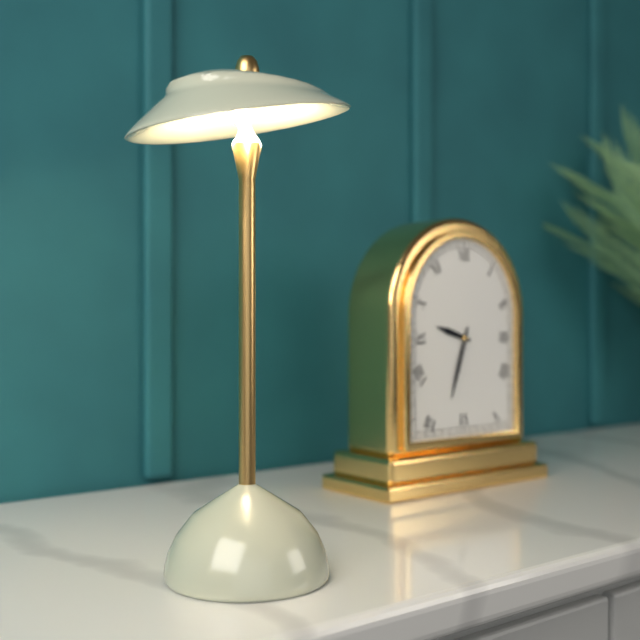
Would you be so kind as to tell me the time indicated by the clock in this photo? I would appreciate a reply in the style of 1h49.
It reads 9h33
